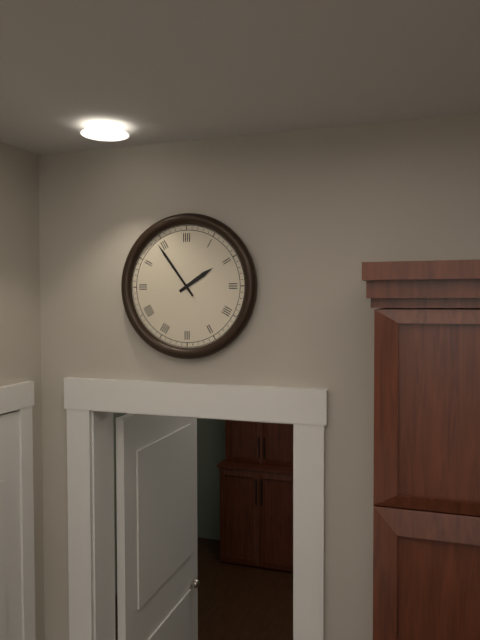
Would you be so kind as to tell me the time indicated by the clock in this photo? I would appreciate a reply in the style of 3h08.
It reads 1h54
